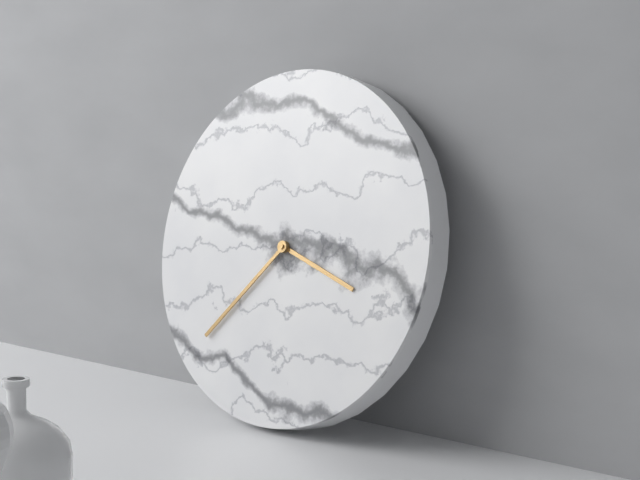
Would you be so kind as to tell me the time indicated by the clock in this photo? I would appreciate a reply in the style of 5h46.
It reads 3h37
